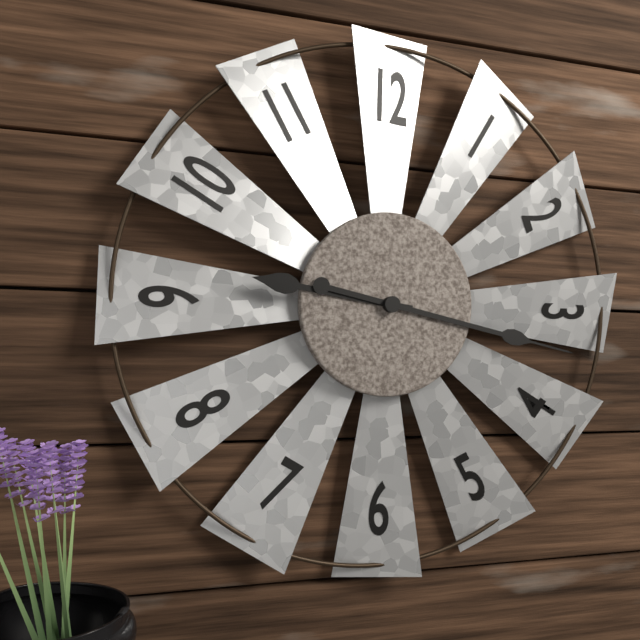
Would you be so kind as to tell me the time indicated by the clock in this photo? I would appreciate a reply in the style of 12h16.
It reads 9h17
